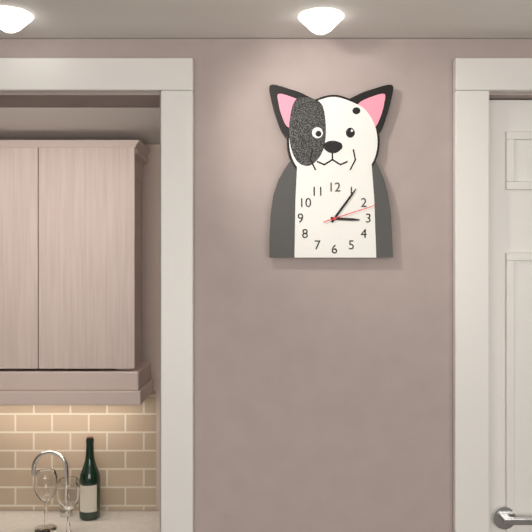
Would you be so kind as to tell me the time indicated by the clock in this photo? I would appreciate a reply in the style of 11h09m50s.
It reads 3h06m12s
